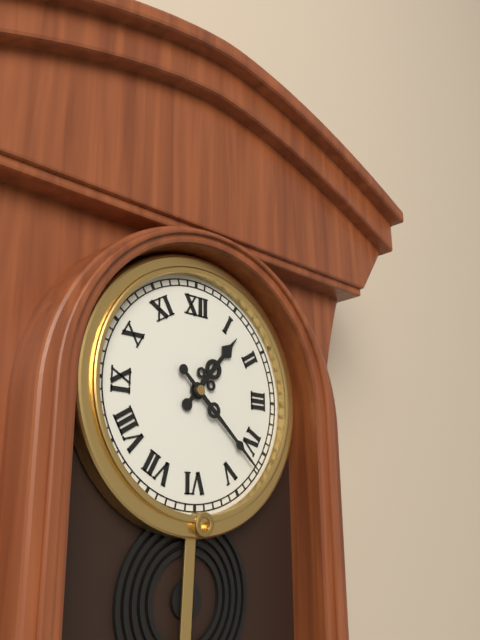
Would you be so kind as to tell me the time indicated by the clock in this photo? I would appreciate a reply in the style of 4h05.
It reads 1h22
